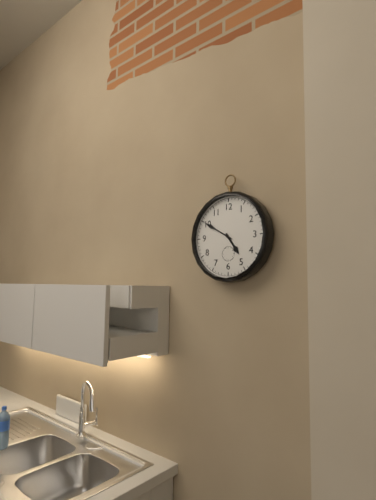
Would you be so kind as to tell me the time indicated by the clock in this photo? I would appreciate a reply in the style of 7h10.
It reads 4h50
